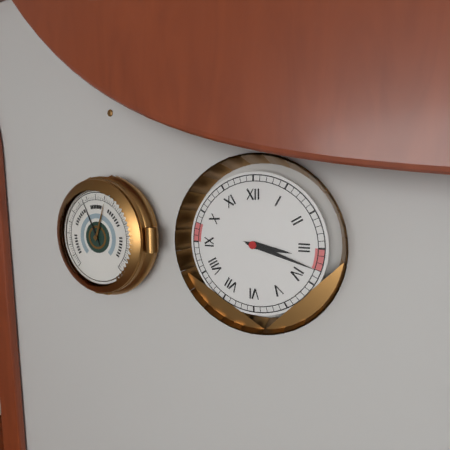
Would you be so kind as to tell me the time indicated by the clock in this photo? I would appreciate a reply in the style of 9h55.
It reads 3h18
